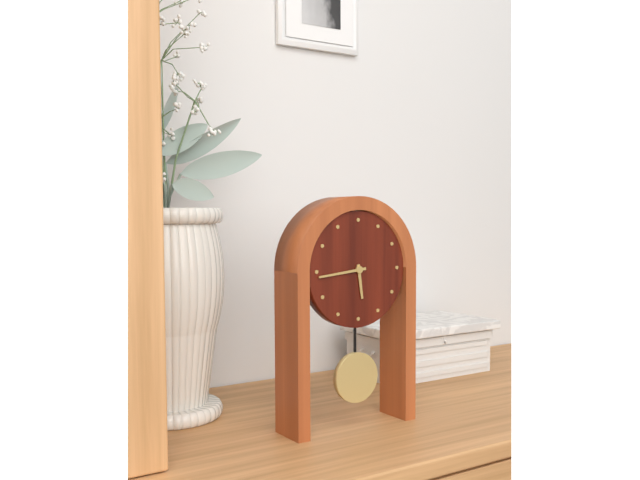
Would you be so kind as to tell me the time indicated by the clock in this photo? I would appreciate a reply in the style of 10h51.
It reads 5h44
